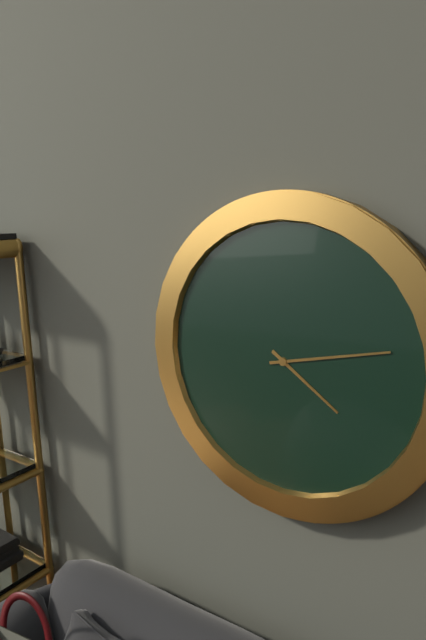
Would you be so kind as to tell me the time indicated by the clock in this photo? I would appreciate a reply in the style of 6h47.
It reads 4h13
